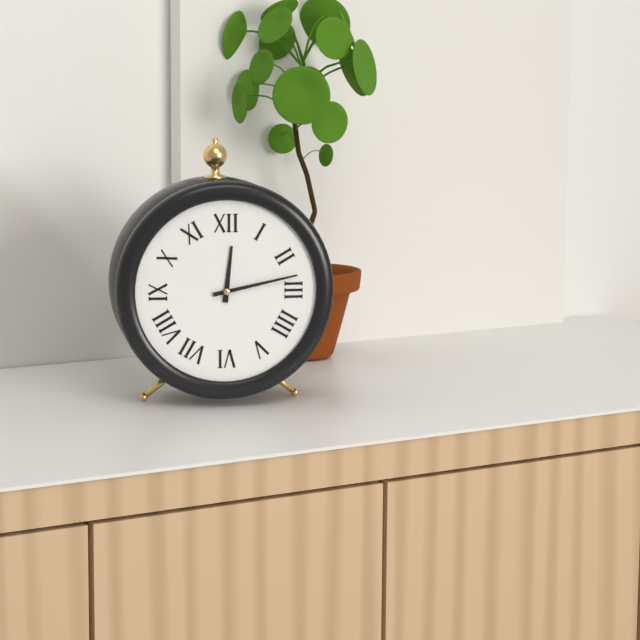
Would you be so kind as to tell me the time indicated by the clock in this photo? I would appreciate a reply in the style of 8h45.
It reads 12h13
